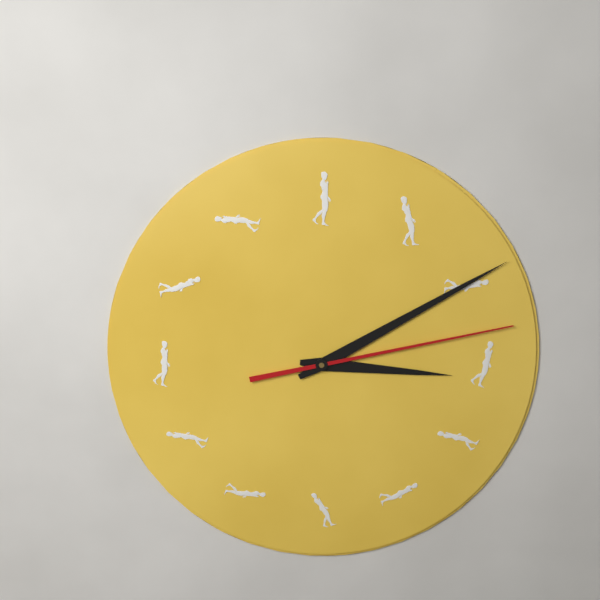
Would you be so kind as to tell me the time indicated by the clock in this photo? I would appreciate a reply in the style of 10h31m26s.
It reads 3h10m13s
